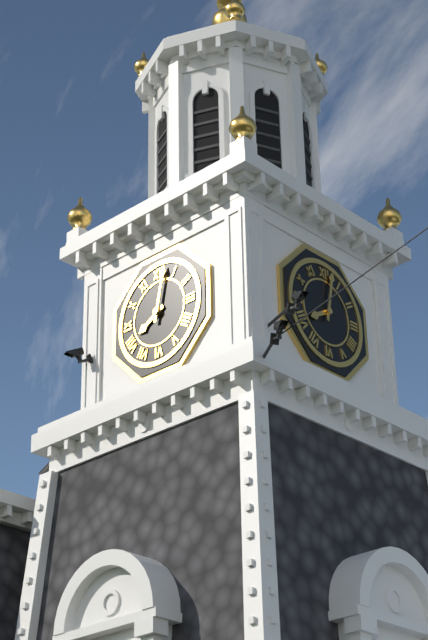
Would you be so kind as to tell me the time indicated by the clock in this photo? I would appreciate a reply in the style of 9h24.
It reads 8h02
